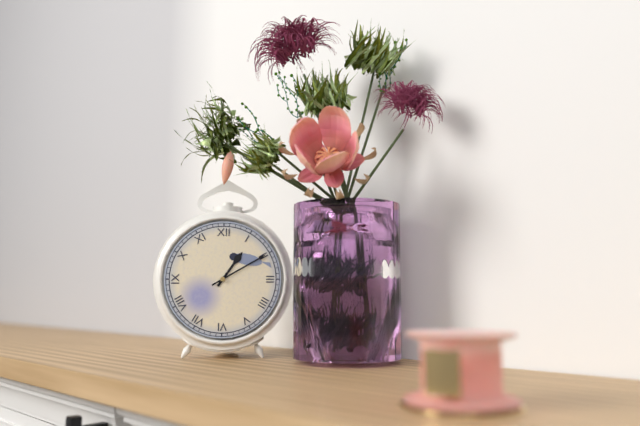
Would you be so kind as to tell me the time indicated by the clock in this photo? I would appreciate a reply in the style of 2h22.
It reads 1h10
